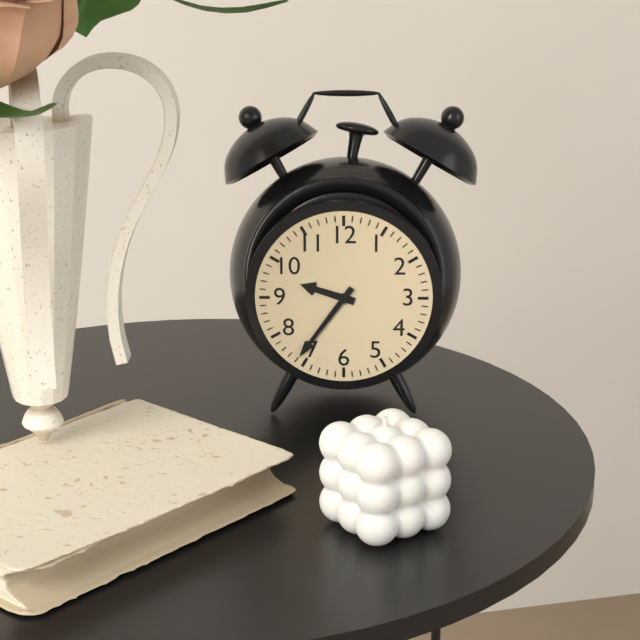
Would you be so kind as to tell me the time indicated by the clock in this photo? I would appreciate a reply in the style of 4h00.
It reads 9h36
